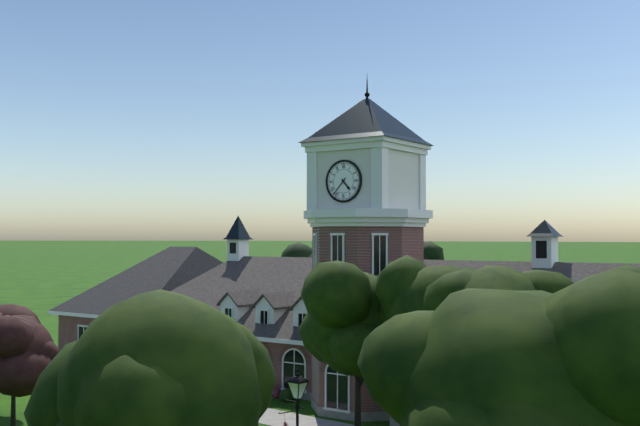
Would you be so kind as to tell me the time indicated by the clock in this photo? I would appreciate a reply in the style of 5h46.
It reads 4h37
